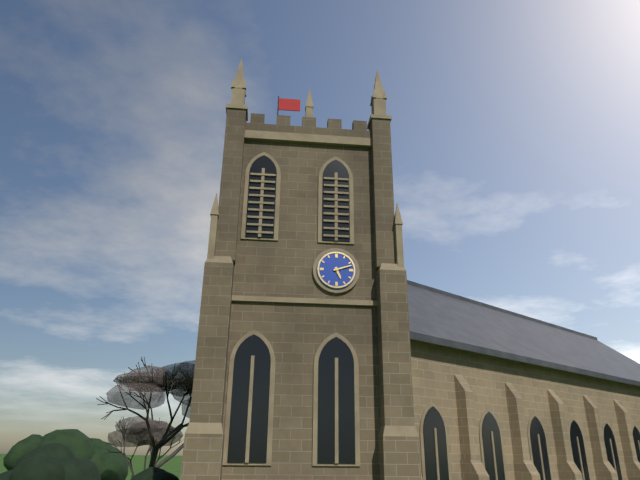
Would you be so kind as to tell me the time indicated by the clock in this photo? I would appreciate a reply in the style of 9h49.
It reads 5h12
